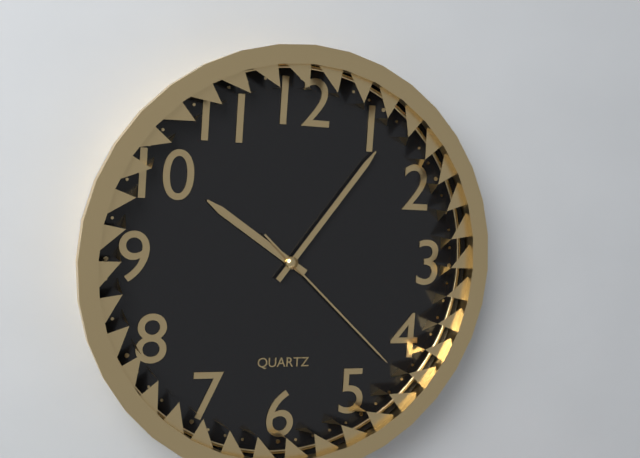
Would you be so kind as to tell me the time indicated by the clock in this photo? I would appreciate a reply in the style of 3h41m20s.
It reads 10h06m22s
